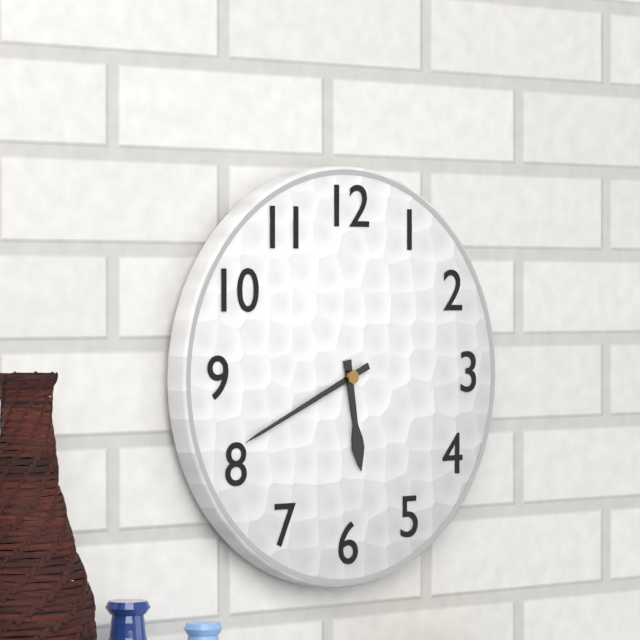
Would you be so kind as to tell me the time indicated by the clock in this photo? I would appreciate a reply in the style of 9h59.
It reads 5h41
